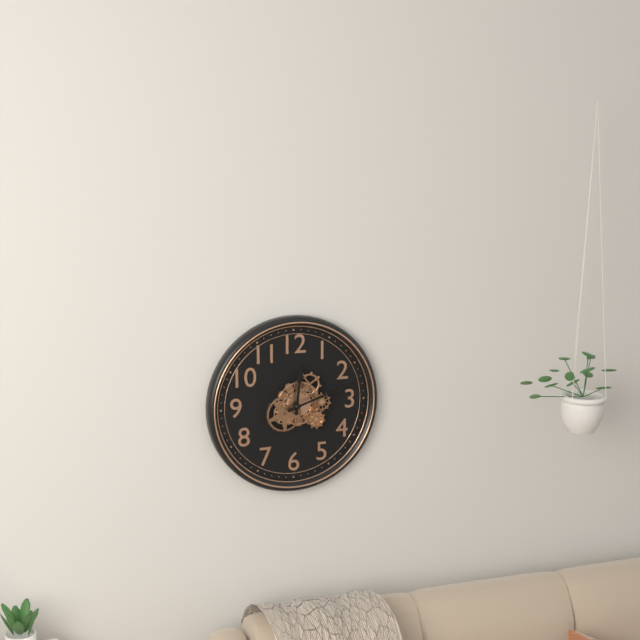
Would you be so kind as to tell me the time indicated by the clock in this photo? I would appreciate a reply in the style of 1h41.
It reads 12h12
